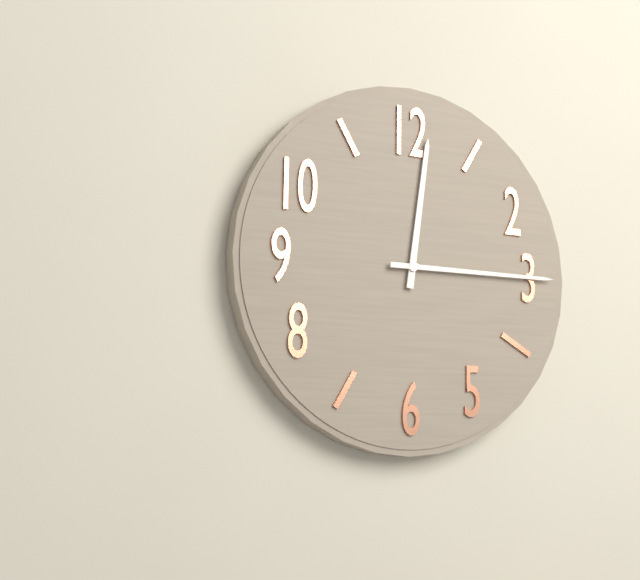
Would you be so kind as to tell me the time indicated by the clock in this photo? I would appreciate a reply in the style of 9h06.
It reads 12h15
